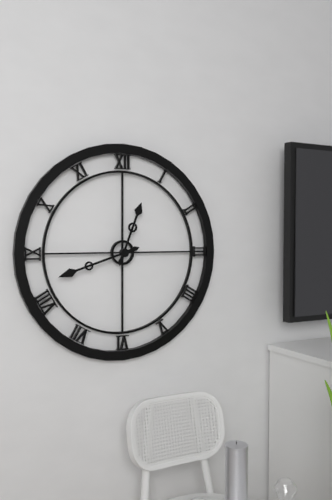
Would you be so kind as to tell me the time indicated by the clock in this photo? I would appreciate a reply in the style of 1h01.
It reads 12h42
